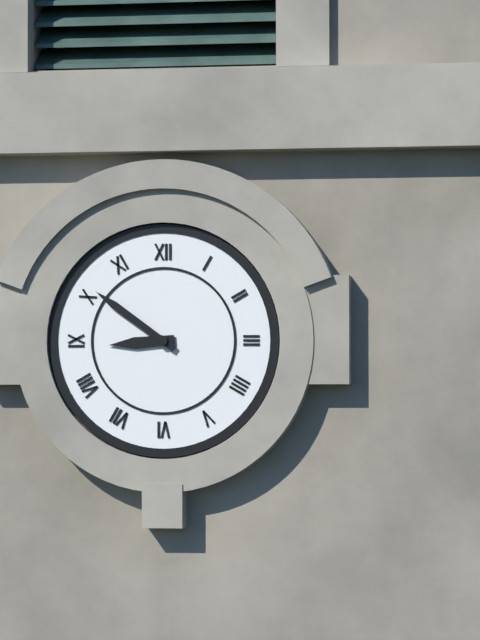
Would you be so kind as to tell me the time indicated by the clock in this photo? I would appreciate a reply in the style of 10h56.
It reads 8h51
